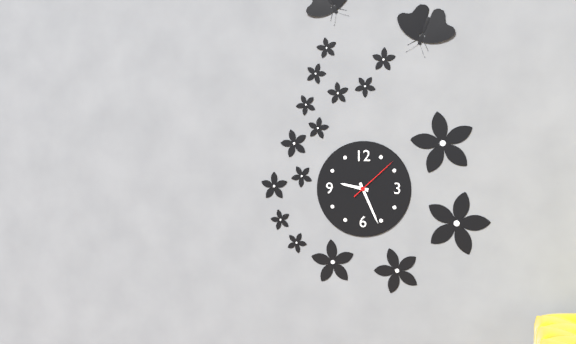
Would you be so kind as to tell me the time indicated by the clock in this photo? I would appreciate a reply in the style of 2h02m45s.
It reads 9h26m08s
